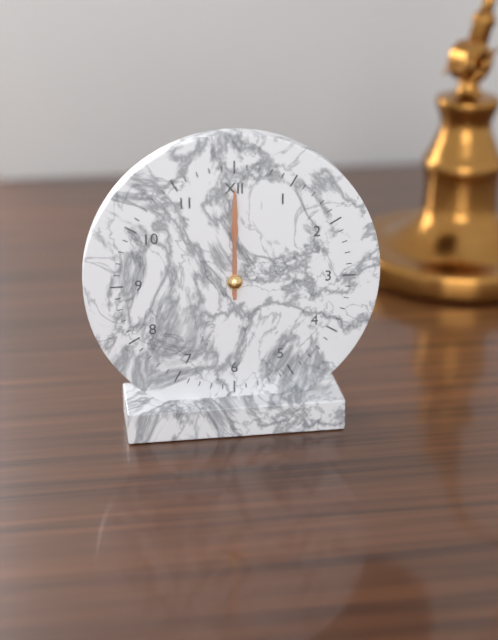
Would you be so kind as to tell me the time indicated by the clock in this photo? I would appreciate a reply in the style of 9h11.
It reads 12h00
